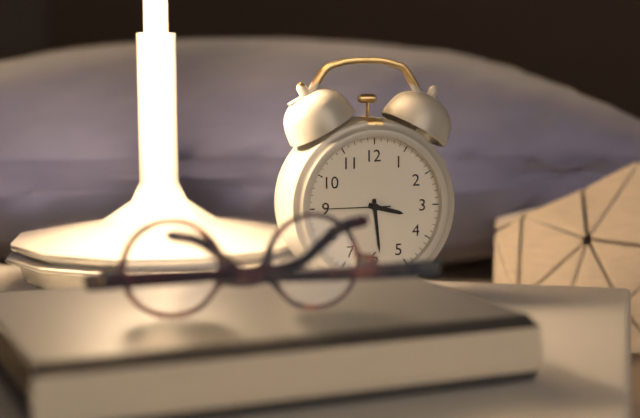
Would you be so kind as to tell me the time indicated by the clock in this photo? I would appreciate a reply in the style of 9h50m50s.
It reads 3h29m45s
